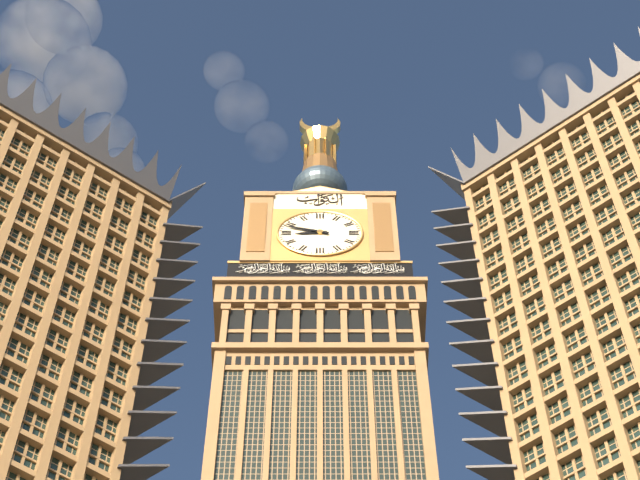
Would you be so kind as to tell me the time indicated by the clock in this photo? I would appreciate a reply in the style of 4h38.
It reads 8h48
